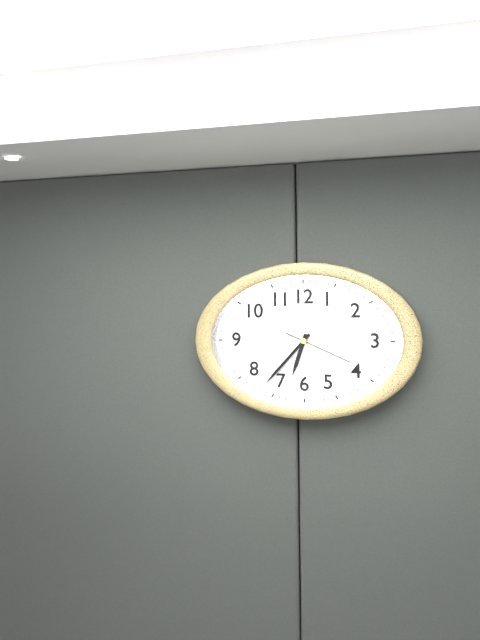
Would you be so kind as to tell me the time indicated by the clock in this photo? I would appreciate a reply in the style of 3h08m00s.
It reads 6h37m19s
